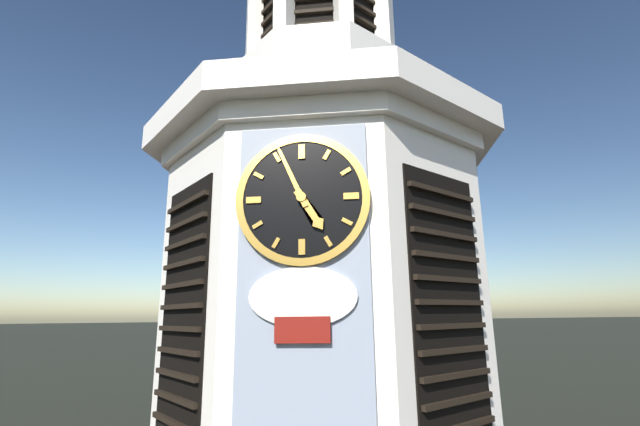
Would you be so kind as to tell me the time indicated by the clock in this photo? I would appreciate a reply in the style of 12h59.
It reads 4h56
